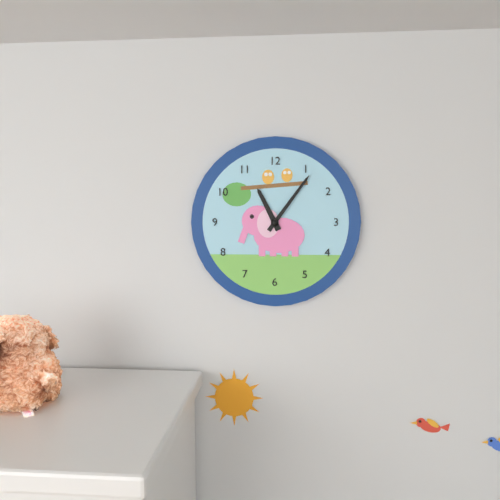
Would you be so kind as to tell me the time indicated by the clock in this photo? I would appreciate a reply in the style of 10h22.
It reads 11h06
